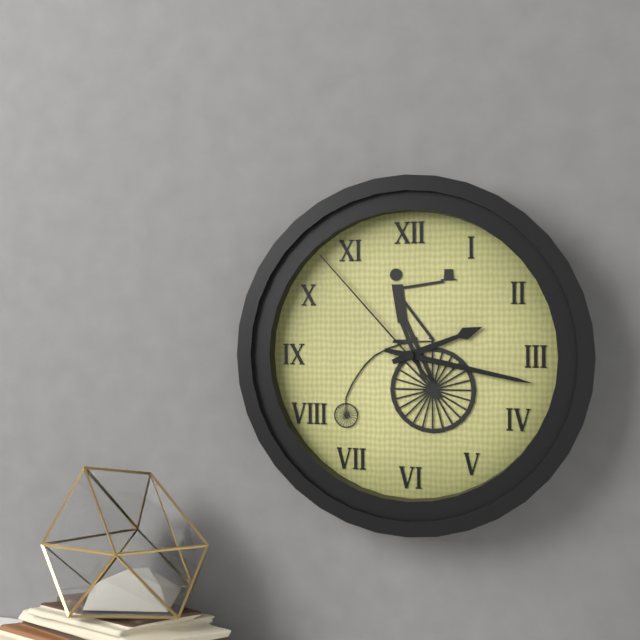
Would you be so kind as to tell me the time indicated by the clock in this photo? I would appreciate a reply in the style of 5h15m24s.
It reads 2h17m53s
